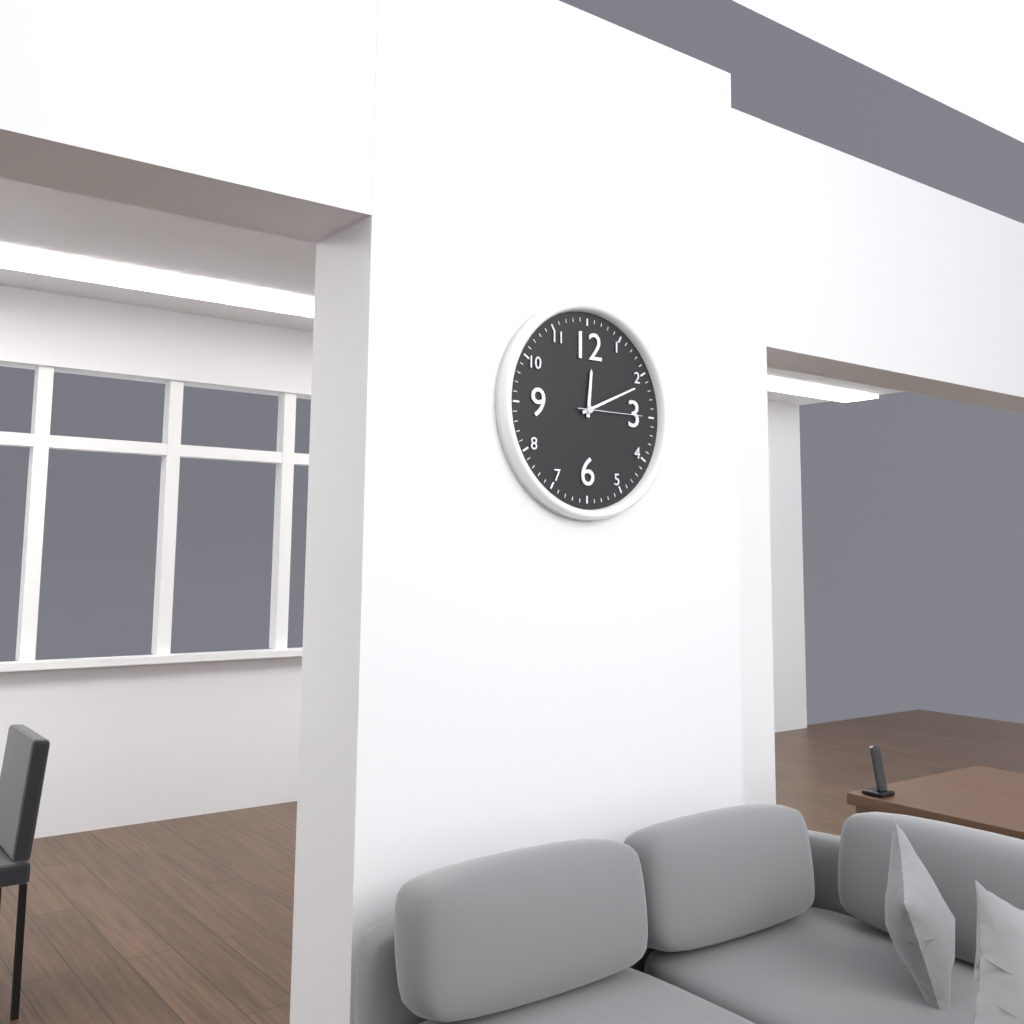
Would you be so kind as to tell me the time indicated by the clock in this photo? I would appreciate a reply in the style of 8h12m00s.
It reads 12h11m15s
